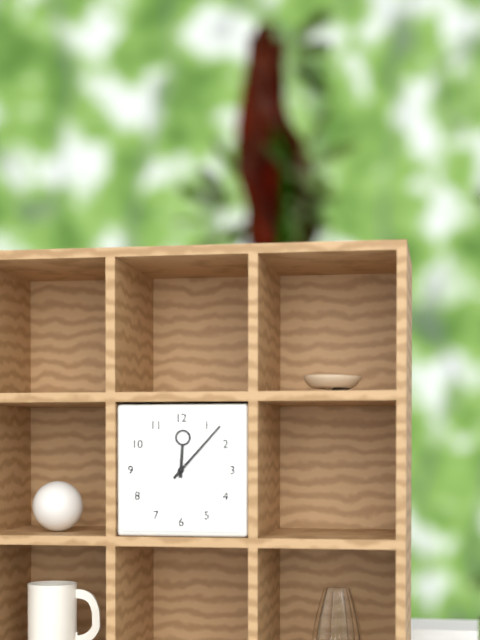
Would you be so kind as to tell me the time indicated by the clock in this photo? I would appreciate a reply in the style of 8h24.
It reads 12h07
